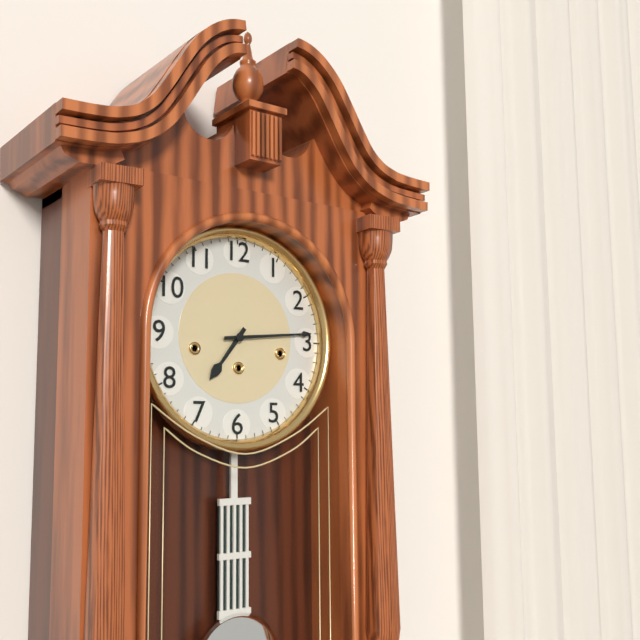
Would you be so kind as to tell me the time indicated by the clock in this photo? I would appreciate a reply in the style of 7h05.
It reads 7h14
